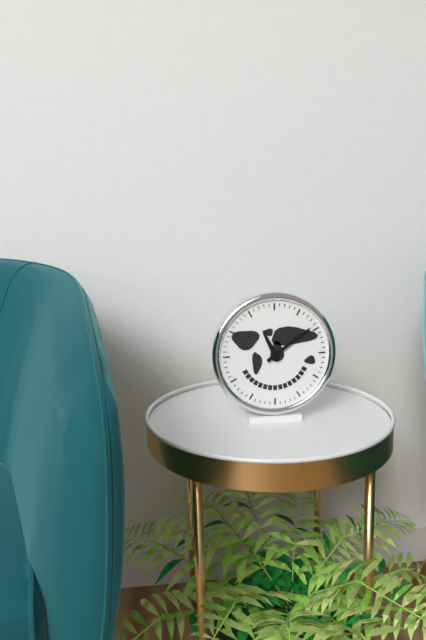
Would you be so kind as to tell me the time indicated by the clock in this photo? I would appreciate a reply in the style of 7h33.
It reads 11h09
